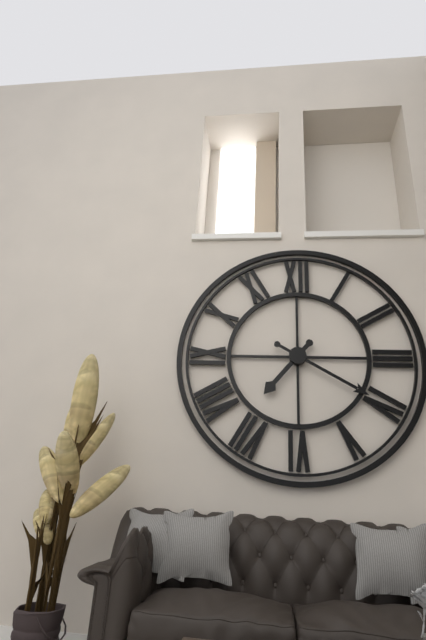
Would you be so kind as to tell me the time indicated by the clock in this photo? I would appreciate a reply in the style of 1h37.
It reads 7h20
